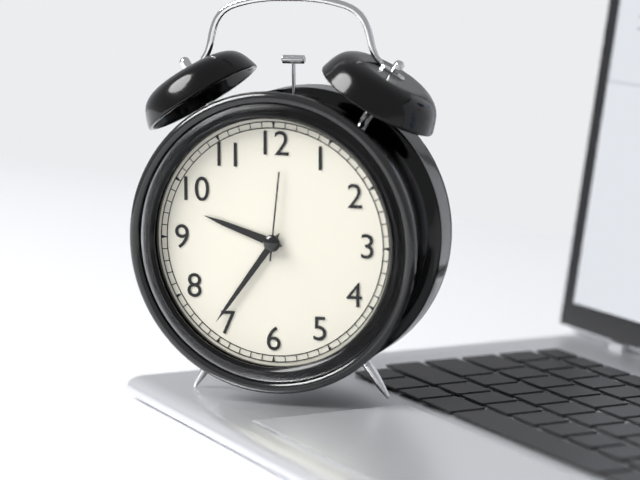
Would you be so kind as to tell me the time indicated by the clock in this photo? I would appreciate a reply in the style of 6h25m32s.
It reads 9h36m01s
